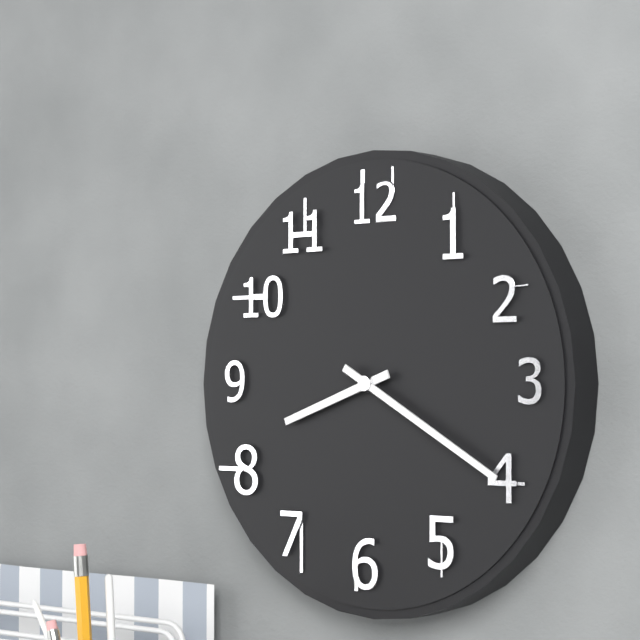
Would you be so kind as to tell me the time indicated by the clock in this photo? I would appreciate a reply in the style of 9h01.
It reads 8h20
